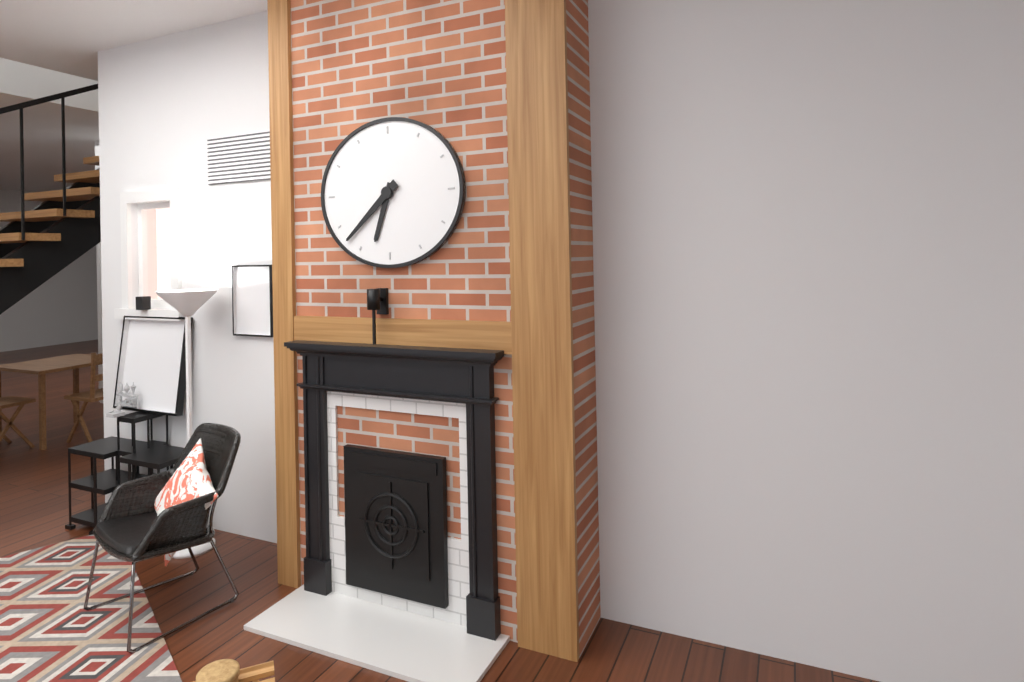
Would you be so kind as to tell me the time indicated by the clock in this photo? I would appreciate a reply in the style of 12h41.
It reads 6h38
